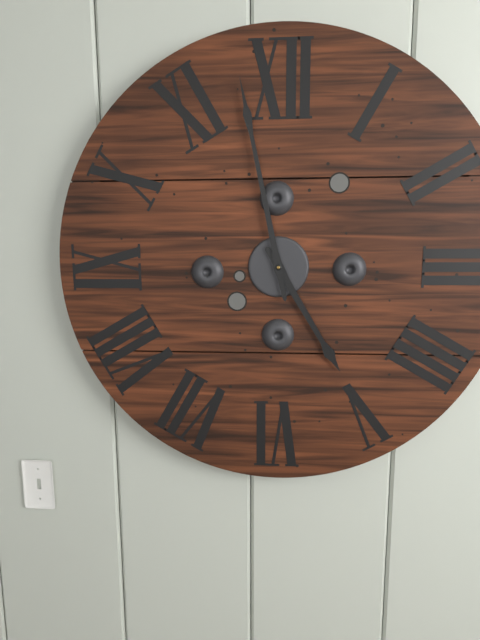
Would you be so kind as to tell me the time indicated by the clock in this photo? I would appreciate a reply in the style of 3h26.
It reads 4h58
